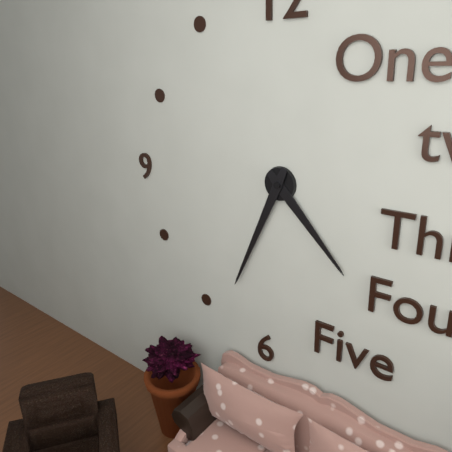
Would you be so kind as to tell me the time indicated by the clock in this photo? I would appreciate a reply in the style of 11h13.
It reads 4h34
